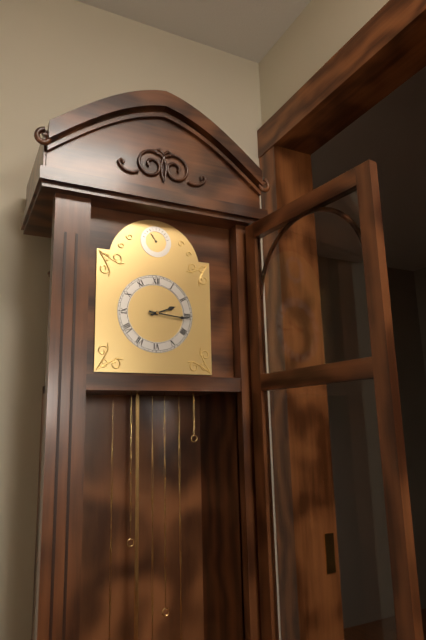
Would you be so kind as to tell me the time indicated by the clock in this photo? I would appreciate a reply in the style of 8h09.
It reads 2h16
